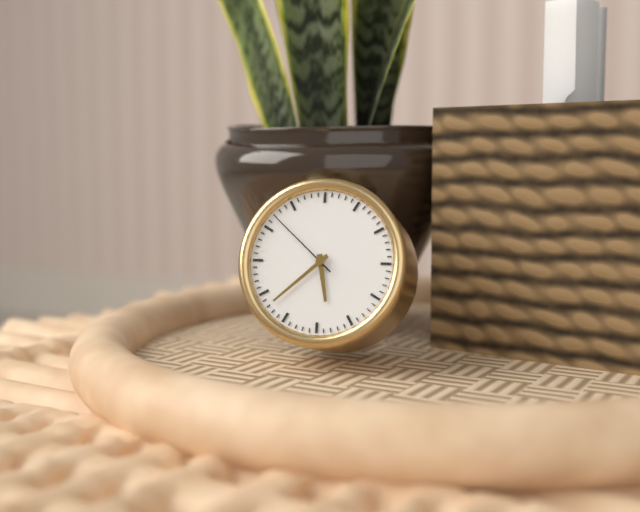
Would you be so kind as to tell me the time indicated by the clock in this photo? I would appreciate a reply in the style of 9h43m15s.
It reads 5h38m52s
